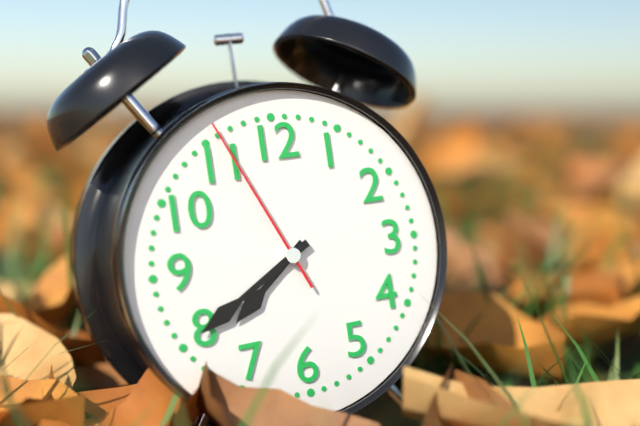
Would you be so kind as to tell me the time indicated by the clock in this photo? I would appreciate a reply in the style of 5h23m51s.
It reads 7h40m56s
